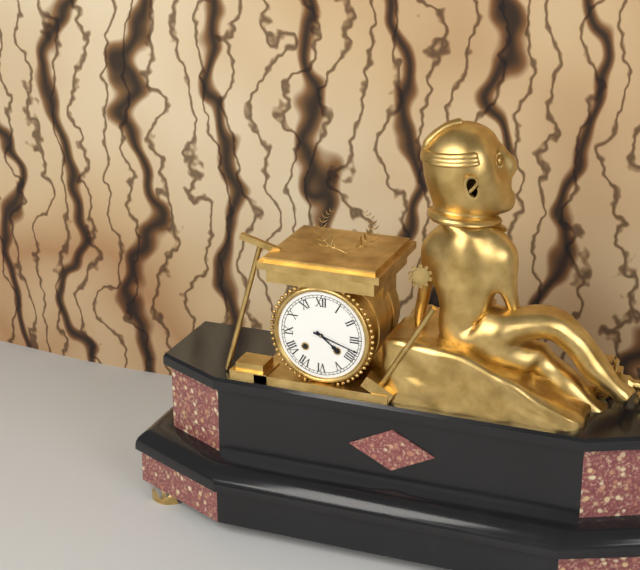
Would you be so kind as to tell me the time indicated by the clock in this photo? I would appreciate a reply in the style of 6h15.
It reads 4h18
